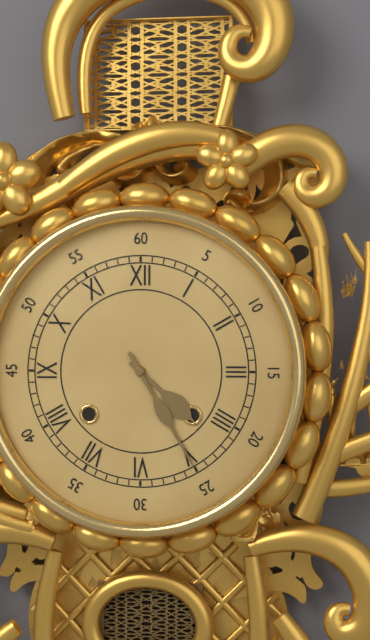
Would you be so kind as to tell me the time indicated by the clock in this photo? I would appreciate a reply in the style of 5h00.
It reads 4h25
